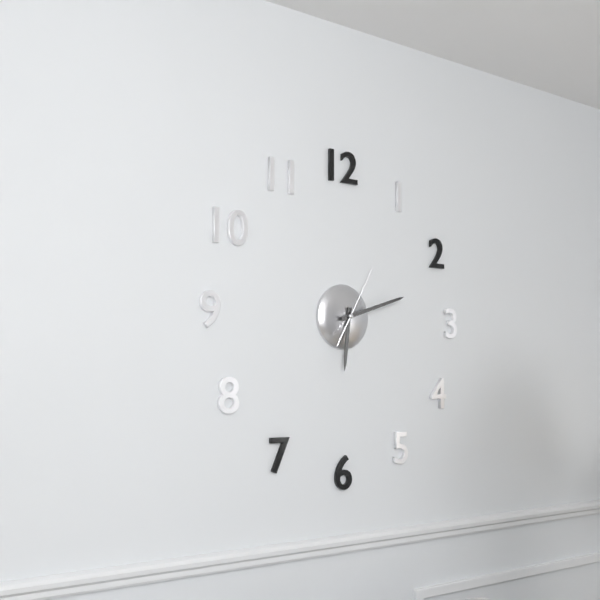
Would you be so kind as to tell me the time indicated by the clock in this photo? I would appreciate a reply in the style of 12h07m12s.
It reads 6h12m05s
